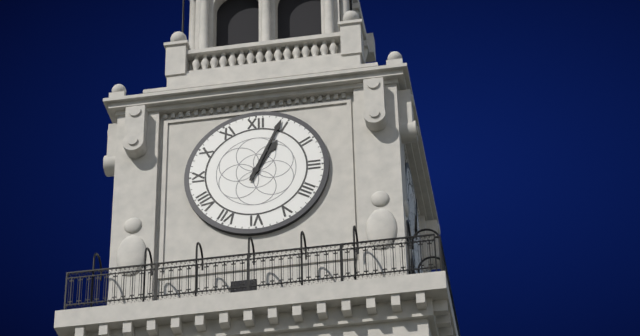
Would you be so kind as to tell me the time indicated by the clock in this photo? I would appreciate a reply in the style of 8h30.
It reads 1h04
